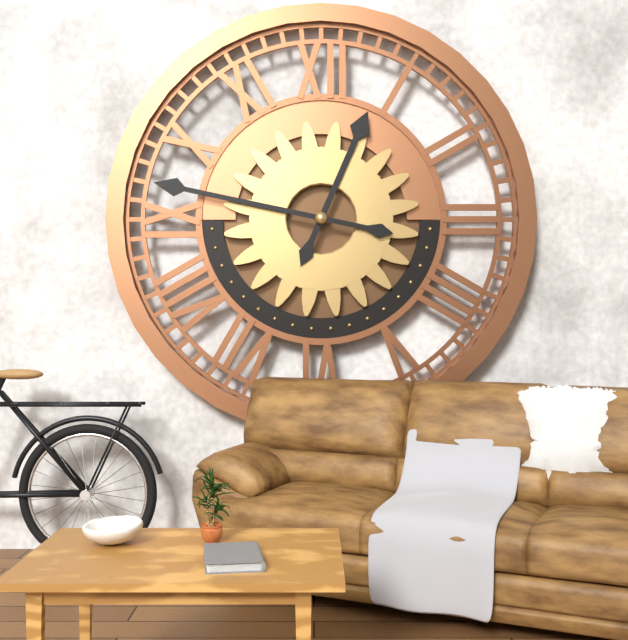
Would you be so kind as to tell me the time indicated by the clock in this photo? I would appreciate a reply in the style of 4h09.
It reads 12h47
